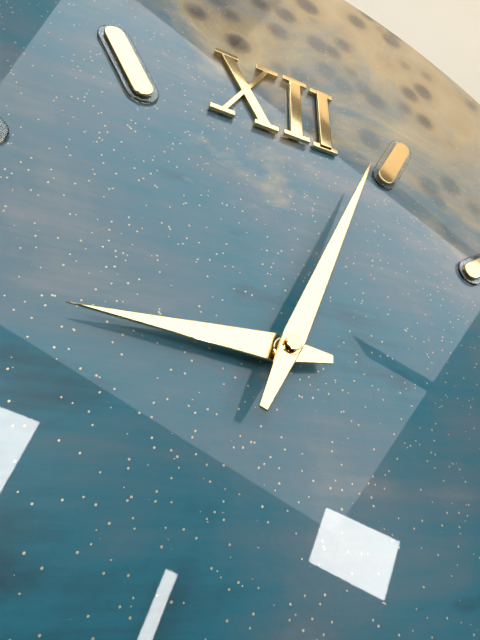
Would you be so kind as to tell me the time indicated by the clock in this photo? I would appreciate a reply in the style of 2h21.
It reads 9h04
